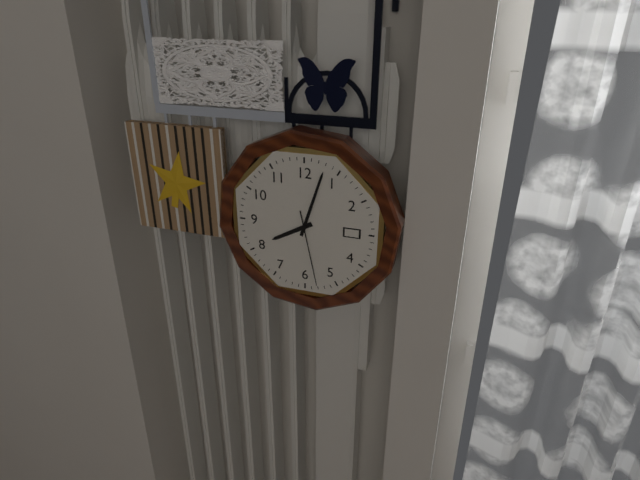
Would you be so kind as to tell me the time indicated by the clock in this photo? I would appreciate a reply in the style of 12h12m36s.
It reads 8h03m28s
